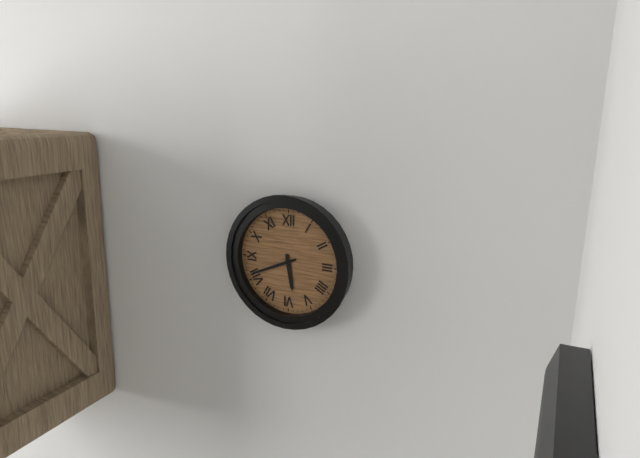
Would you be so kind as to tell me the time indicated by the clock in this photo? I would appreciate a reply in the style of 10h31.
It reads 5h41
